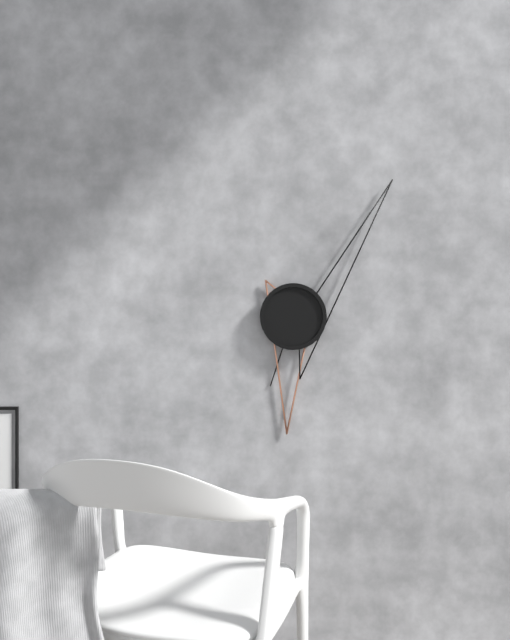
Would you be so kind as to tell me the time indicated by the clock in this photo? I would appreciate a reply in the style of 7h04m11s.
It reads 6h06m33s
